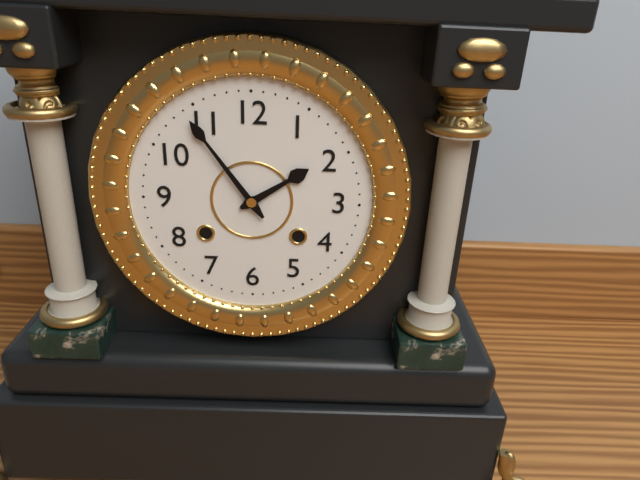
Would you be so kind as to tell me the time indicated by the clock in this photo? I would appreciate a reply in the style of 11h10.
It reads 1h54
